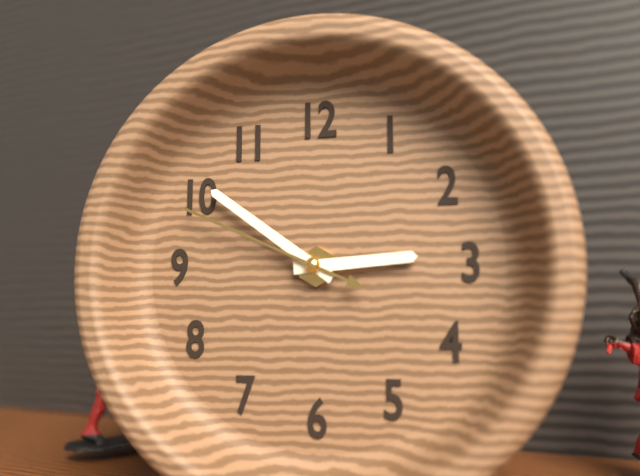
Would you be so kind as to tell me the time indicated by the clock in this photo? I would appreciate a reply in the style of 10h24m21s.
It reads 2h51m49s
